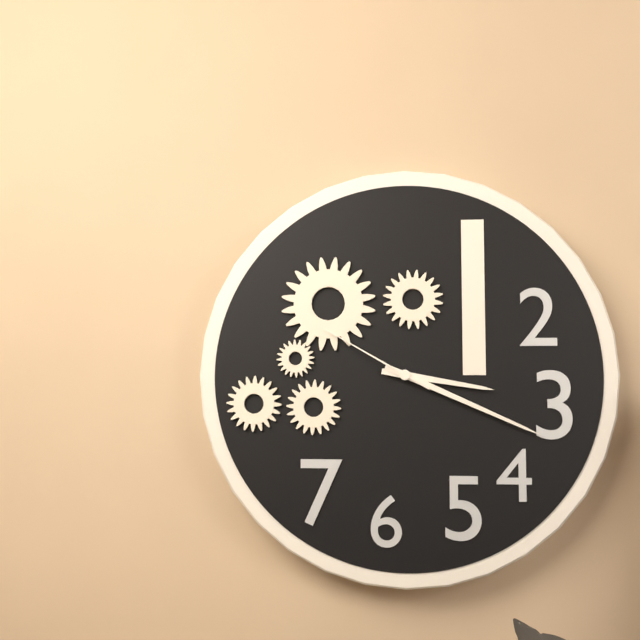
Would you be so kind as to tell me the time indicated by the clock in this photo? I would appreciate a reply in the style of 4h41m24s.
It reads 3h19m50s
